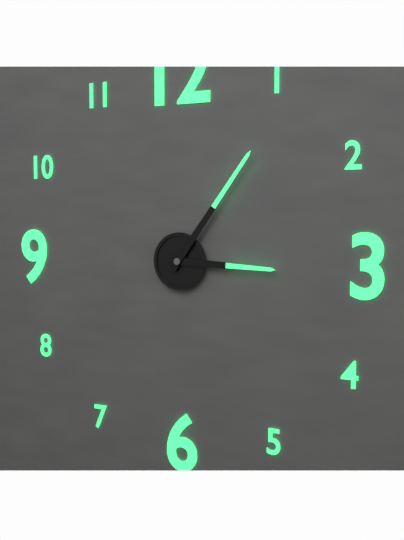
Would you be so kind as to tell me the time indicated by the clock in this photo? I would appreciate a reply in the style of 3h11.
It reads 3h06
